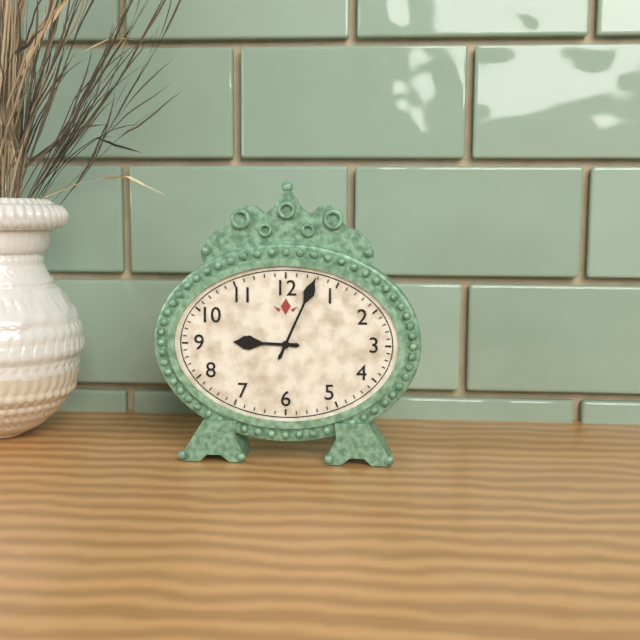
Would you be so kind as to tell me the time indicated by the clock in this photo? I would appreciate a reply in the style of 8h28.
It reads 9h04
